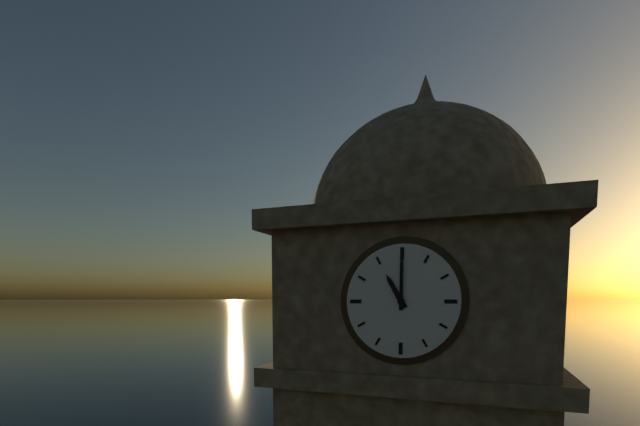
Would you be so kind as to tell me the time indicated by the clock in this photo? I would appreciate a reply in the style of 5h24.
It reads 11h00
